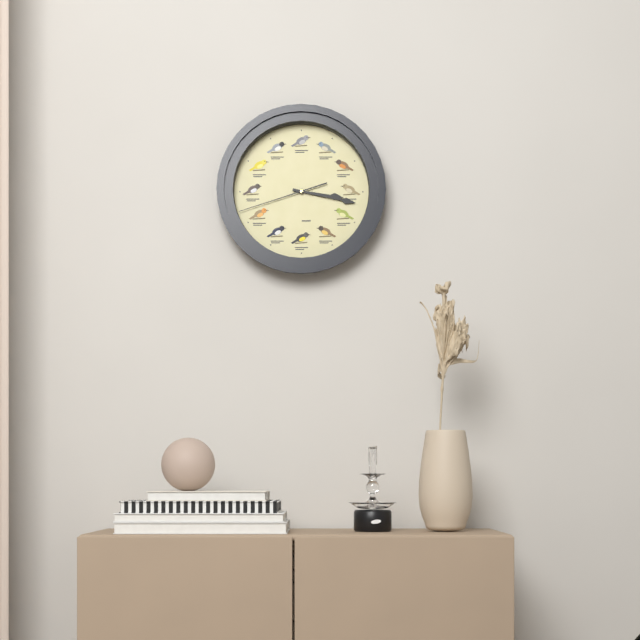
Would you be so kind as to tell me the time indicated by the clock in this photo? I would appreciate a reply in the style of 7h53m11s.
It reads 3h17m42s
